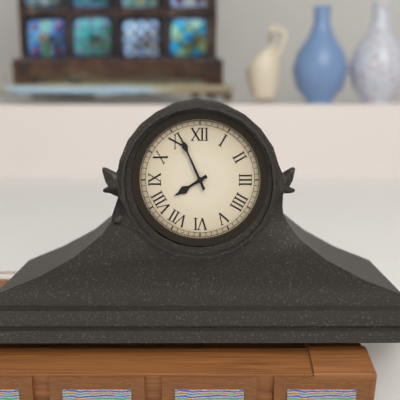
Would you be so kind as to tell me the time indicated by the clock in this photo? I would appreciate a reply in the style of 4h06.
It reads 7h56
